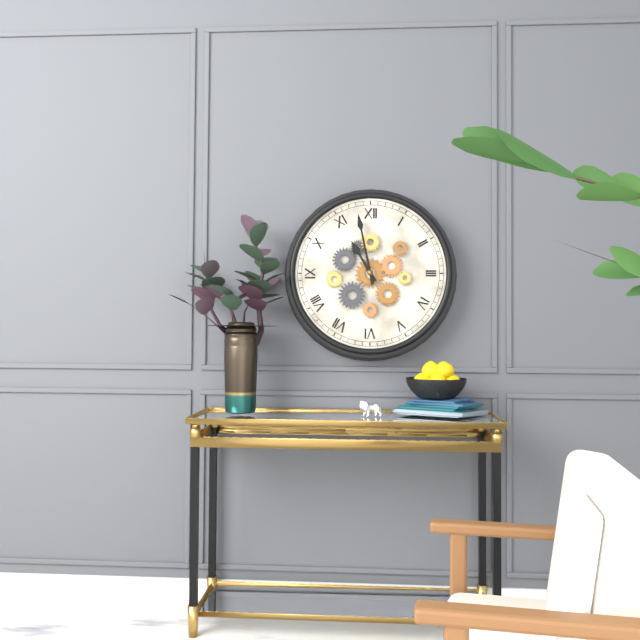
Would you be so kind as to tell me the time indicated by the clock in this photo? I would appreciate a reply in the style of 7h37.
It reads 10h58
